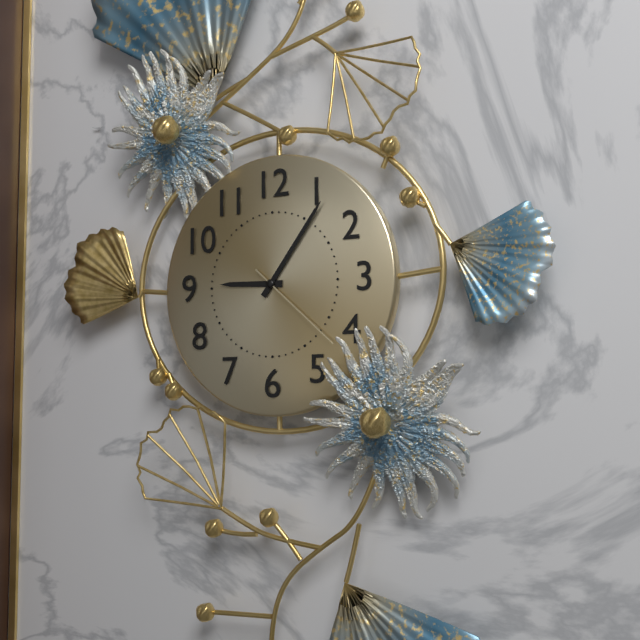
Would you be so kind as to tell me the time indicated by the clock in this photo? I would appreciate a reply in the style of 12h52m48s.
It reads 9h06m22s
